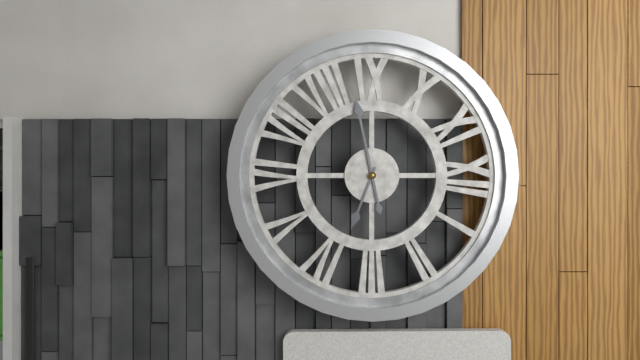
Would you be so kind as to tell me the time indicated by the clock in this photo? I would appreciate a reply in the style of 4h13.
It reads 3h43
